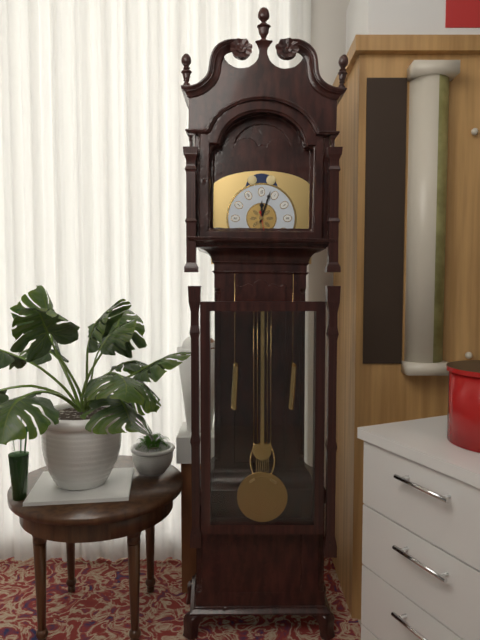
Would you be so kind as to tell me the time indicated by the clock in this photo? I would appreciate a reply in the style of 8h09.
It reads 12h03
